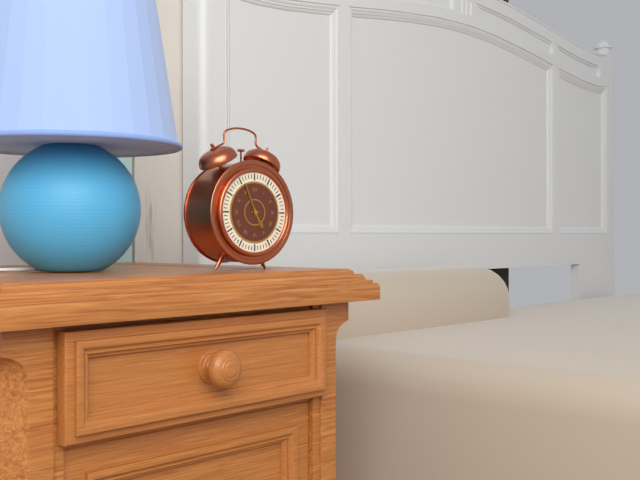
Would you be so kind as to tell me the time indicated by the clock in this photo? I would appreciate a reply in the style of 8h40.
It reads 4h56
